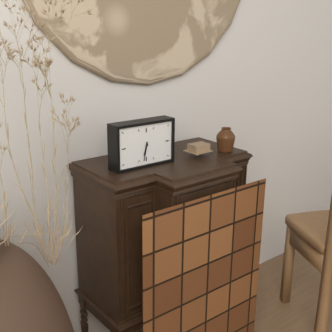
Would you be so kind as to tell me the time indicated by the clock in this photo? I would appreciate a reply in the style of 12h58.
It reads 6h32
